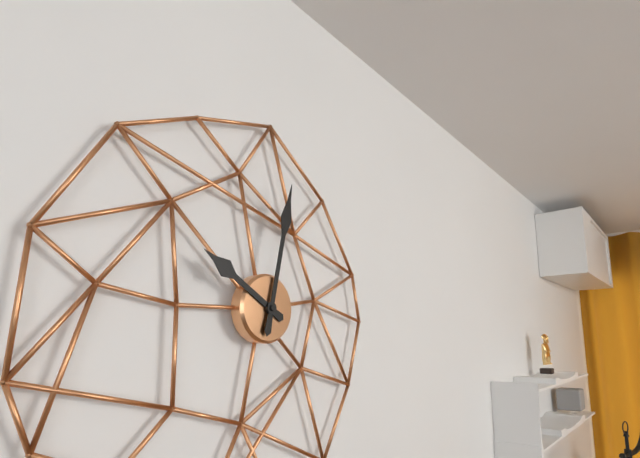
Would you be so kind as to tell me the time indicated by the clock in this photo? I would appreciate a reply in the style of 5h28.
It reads 10h02
